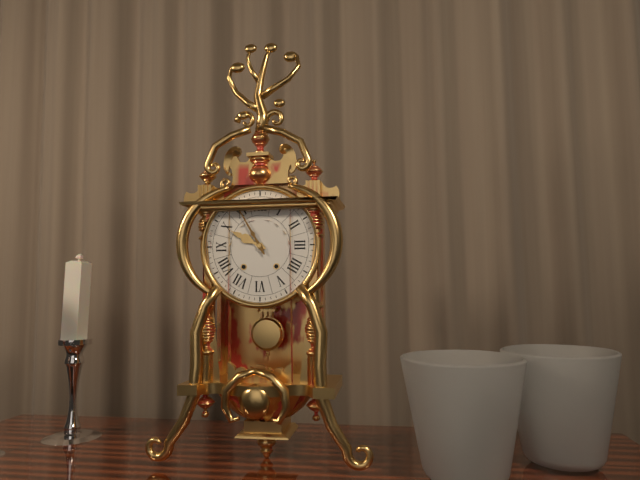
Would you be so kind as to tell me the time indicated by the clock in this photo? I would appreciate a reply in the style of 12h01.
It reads 9h55
